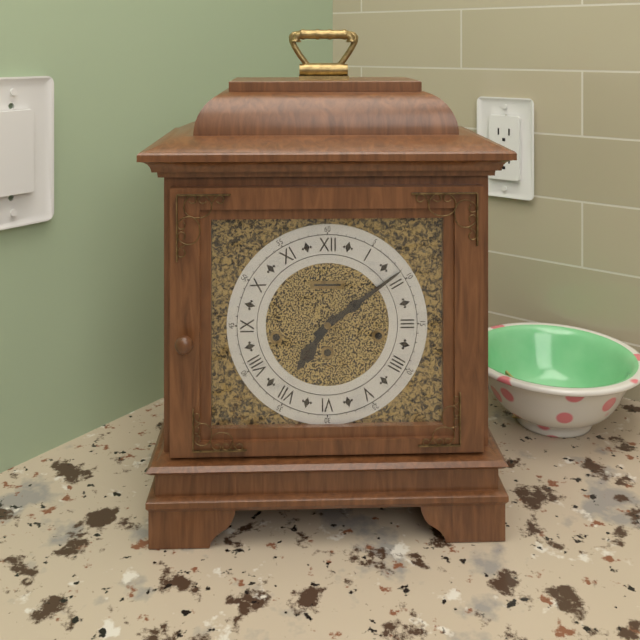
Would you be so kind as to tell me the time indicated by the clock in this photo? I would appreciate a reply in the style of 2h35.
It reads 7h09
